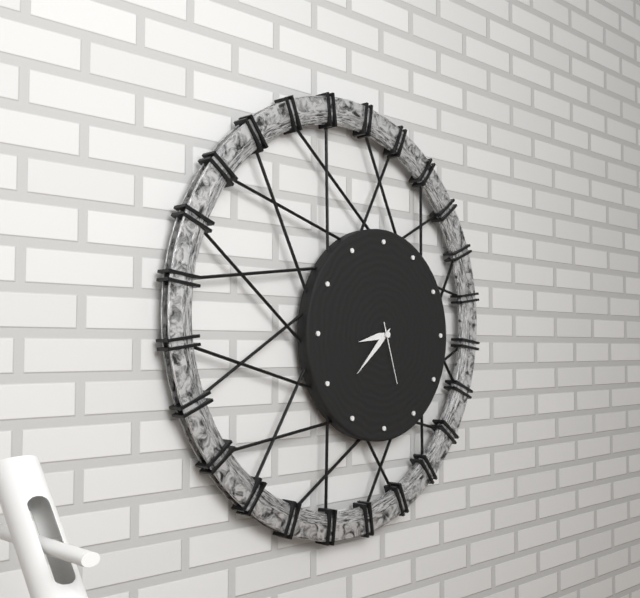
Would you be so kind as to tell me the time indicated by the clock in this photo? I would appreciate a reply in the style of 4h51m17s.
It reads 8h38m27s
